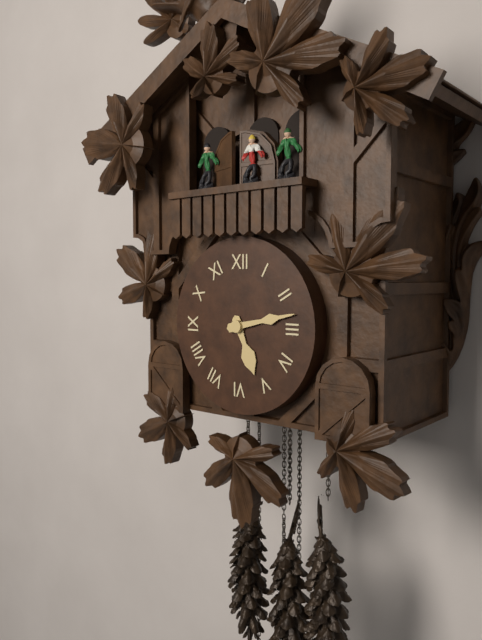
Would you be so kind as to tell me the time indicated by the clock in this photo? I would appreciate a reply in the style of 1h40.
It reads 5h13
